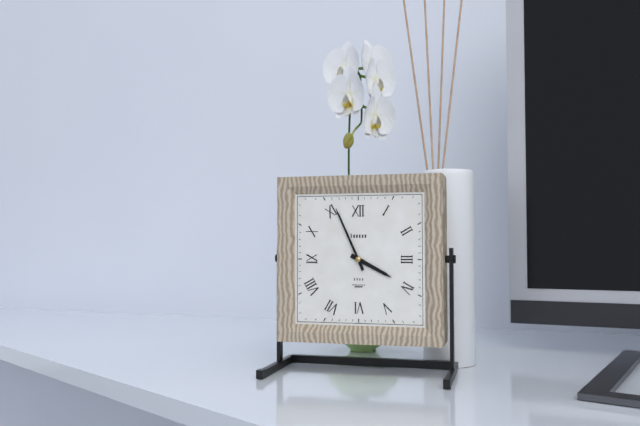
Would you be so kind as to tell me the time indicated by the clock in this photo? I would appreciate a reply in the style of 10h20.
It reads 3h56
